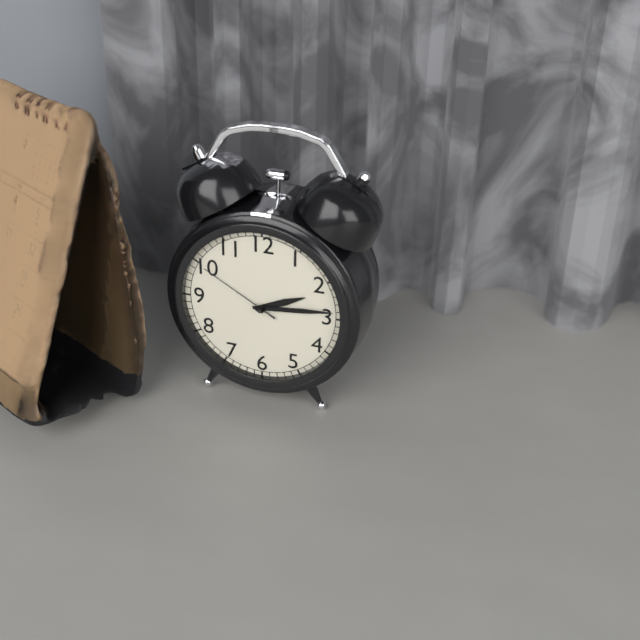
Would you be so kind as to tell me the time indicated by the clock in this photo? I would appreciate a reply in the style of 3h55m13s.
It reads 2h14m50s
